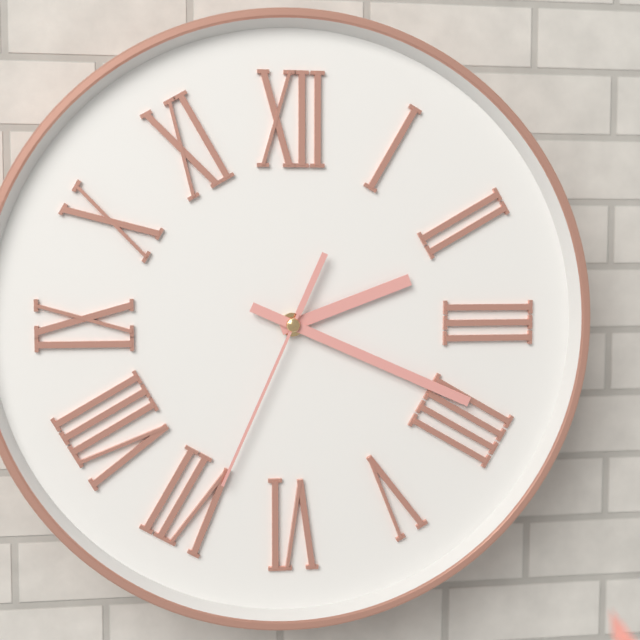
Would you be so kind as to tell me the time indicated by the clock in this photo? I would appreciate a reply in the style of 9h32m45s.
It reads 2h19m34s
